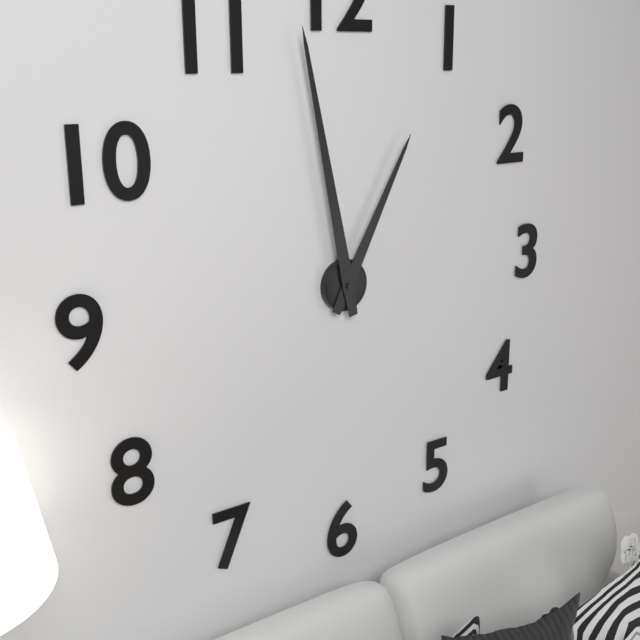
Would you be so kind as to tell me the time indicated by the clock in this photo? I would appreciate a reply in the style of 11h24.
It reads 12h58
